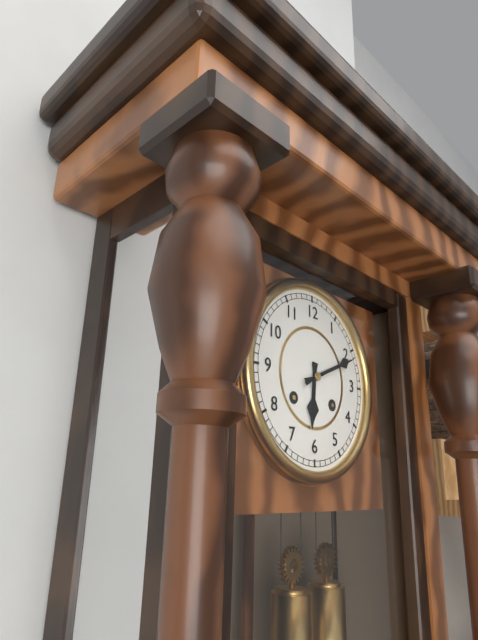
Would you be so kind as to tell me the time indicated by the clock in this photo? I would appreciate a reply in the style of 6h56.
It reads 6h11
